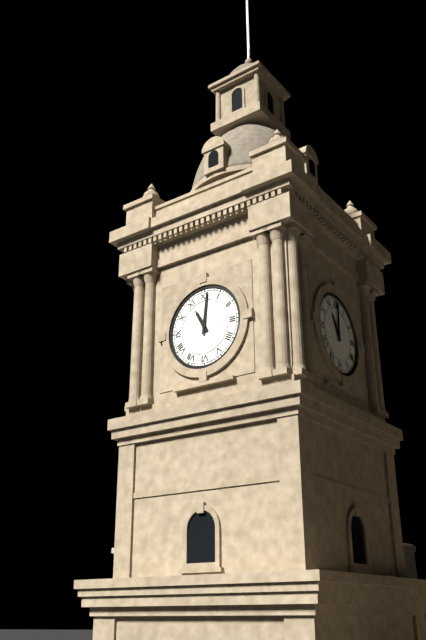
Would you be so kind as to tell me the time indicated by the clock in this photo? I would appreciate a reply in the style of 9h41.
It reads 11h01
